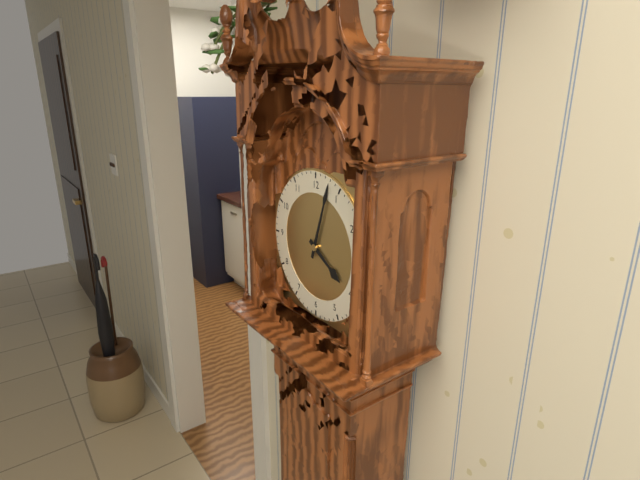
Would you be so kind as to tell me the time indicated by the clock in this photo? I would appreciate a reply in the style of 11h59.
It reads 4h03
